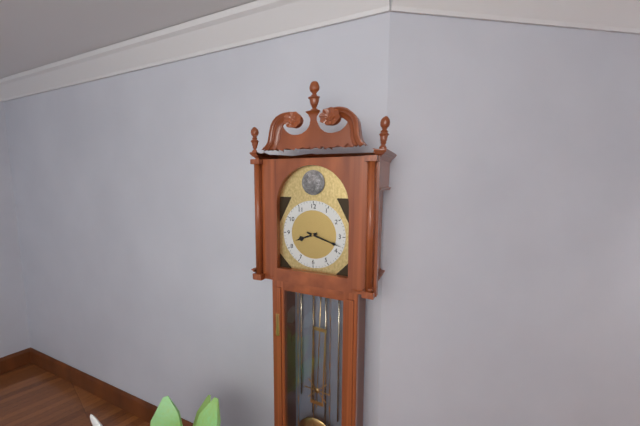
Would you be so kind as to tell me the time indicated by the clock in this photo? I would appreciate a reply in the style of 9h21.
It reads 8h18
